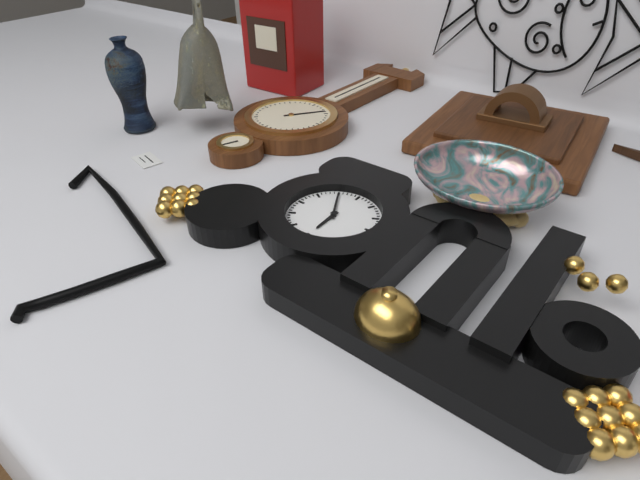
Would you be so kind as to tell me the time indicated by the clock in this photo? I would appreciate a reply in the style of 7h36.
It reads 5h55
